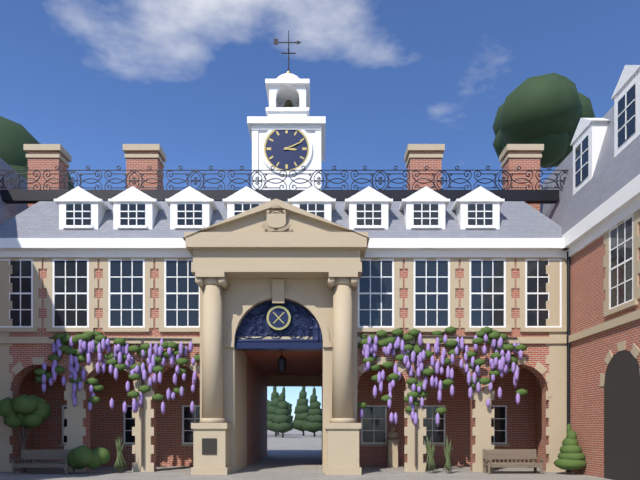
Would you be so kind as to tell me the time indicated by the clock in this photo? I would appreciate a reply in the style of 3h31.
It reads 3h11
